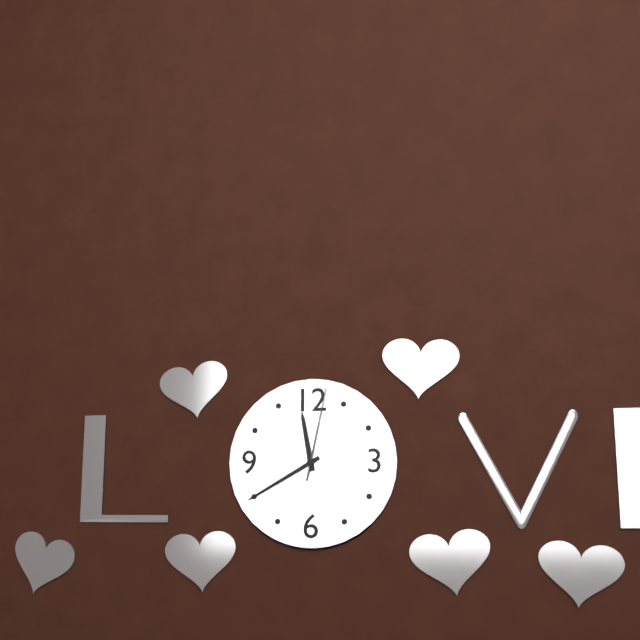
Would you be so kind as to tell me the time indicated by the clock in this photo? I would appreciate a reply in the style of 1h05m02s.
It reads 11h40m02s
